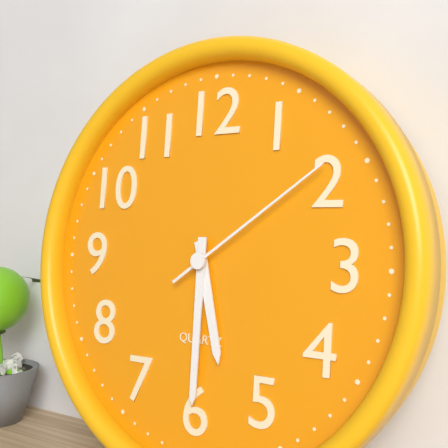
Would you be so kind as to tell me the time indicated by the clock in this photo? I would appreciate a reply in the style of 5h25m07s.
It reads 5h30m09s
